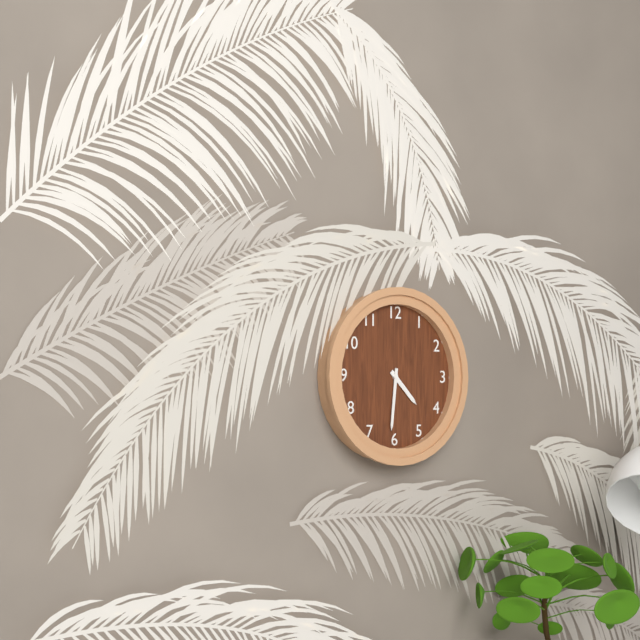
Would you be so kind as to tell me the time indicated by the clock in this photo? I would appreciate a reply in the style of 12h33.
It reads 4h31
